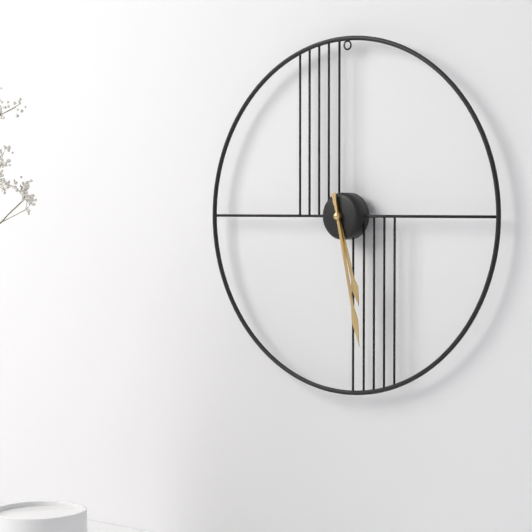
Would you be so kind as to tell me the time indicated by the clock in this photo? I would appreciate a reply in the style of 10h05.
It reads 5h28
